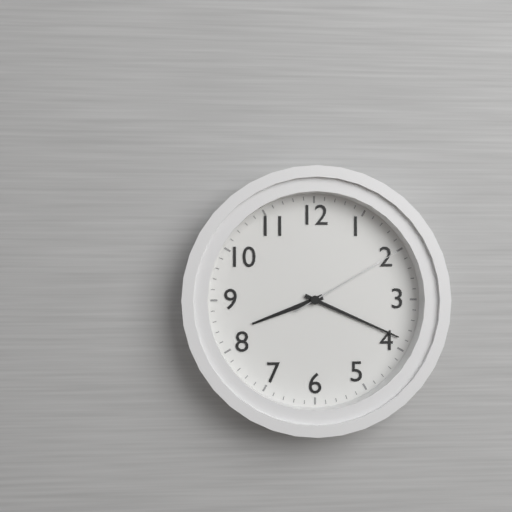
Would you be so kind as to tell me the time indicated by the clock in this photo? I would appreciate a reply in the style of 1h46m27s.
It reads 8h19m10s
